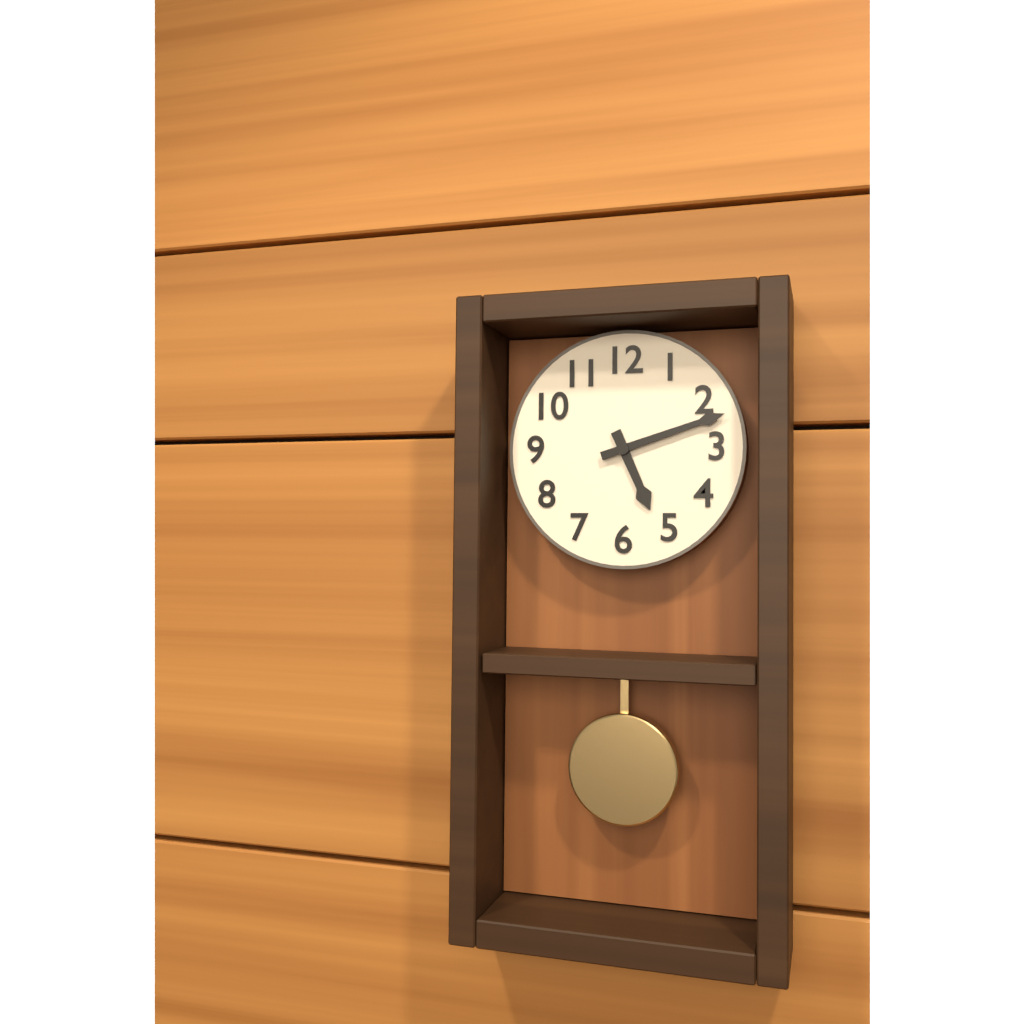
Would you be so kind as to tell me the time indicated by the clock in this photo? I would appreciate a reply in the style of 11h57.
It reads 5h12
